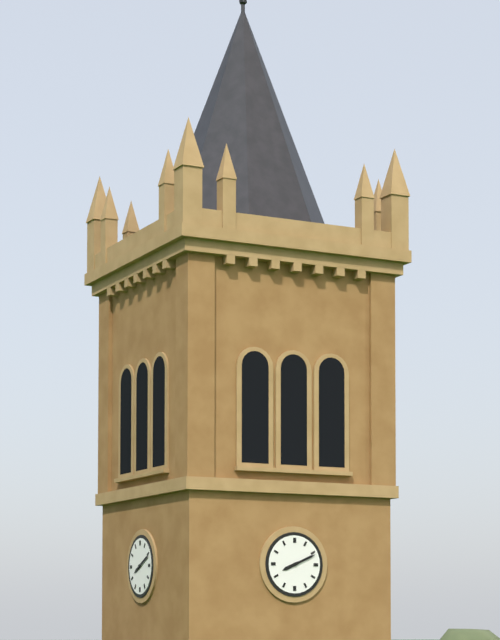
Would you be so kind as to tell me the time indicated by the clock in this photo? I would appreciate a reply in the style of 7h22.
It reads 8h11
